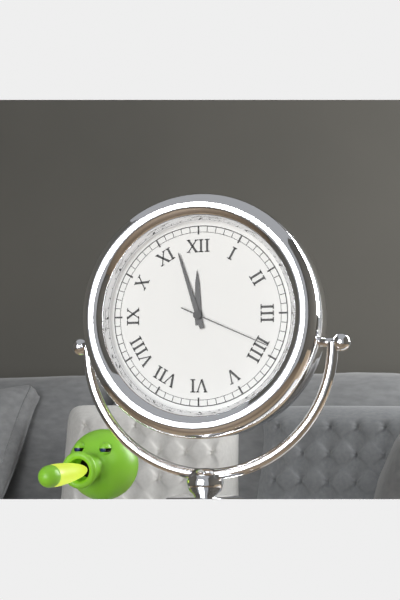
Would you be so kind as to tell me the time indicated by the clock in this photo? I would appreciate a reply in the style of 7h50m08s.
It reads 11h57m19s
